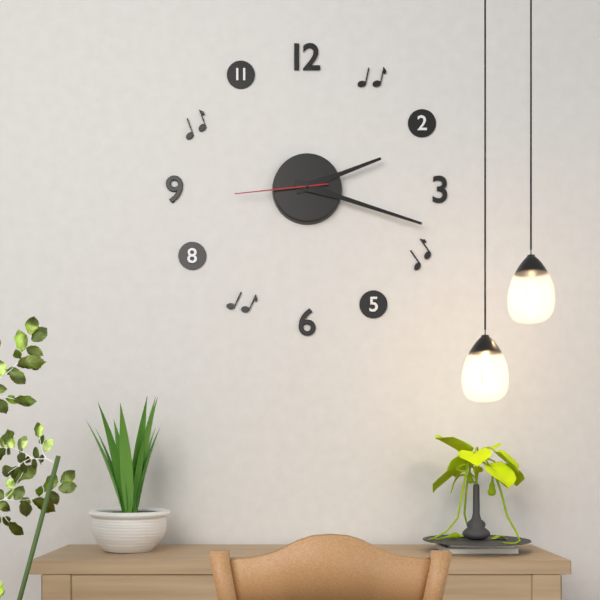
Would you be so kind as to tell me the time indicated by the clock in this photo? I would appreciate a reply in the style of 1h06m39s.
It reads 2h18m44s
